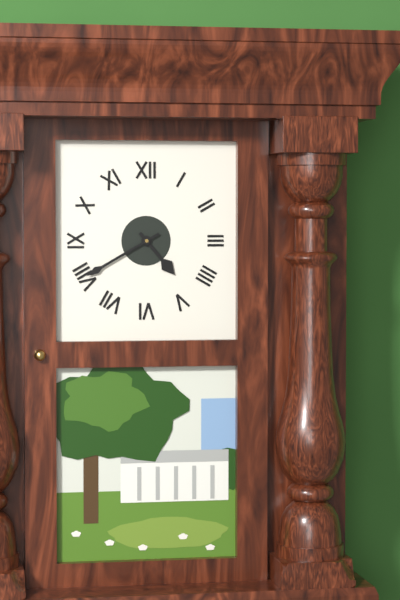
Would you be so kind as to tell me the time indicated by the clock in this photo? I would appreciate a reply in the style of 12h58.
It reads 4h40
